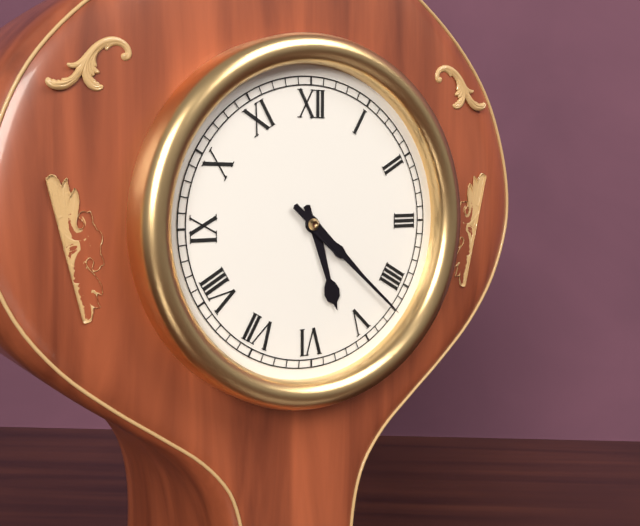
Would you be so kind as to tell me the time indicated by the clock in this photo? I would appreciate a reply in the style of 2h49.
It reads 5h22
